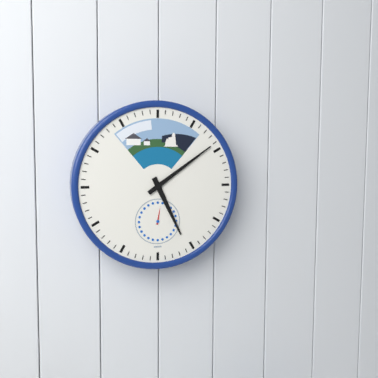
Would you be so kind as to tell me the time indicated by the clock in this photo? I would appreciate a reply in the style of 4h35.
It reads 5h09
